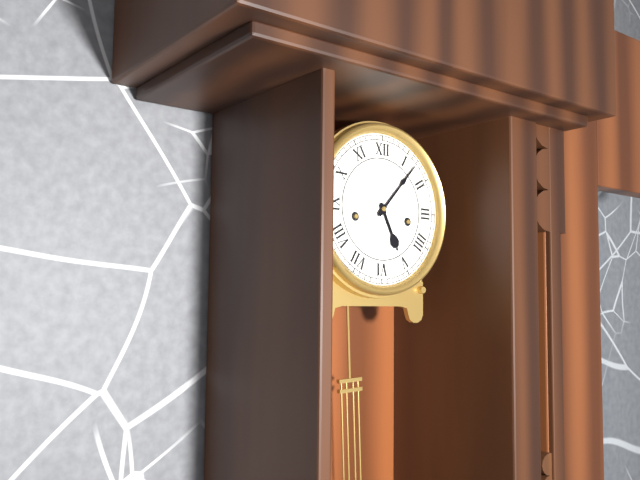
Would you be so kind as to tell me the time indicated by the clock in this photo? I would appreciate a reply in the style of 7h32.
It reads 5h07
